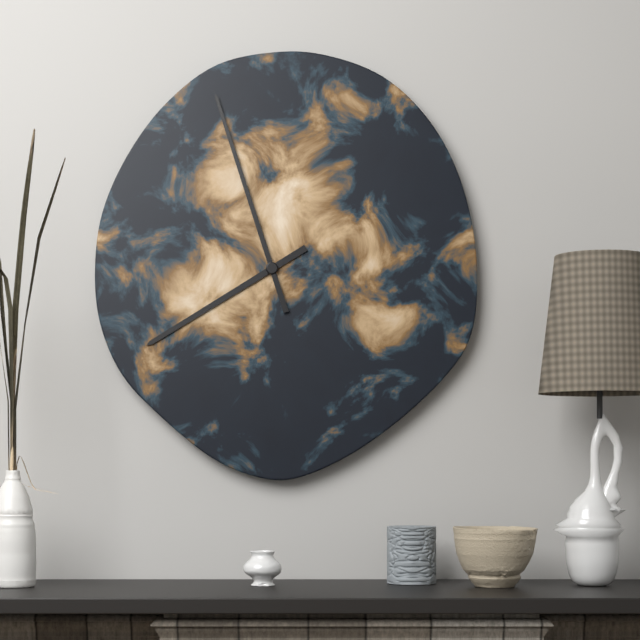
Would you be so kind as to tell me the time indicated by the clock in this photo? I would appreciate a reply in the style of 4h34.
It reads 7h57
